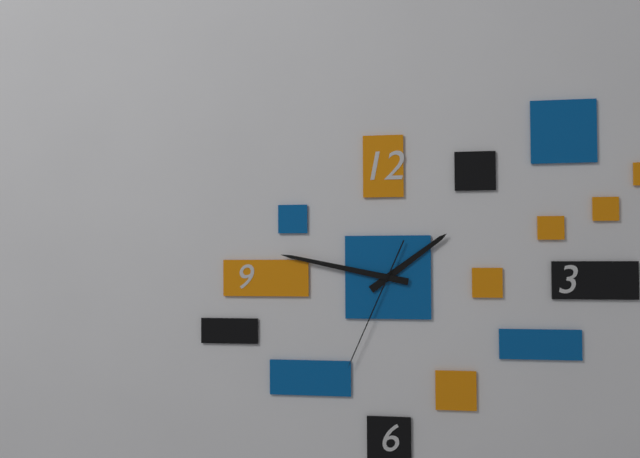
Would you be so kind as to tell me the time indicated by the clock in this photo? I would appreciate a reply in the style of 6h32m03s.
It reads 1h47m34s
